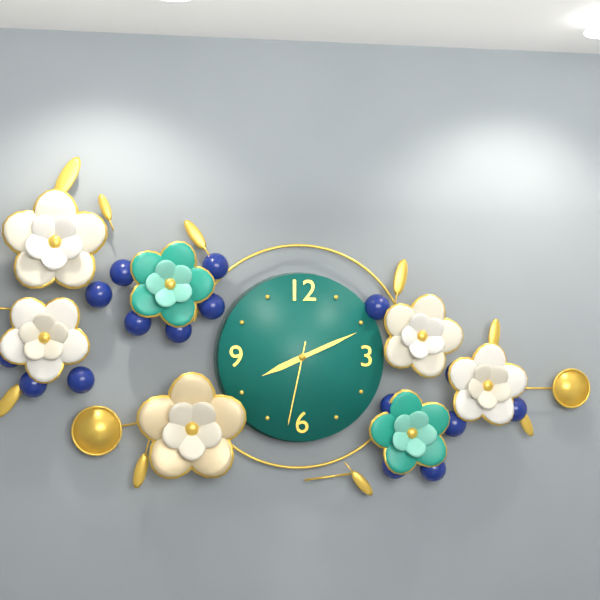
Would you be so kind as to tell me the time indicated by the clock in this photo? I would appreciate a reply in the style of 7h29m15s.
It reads 8h11m32s
